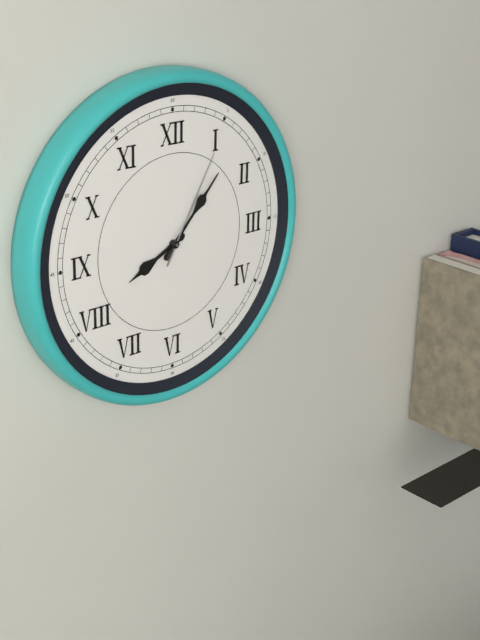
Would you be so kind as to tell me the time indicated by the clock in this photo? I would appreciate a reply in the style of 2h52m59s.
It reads 8h07m05s
